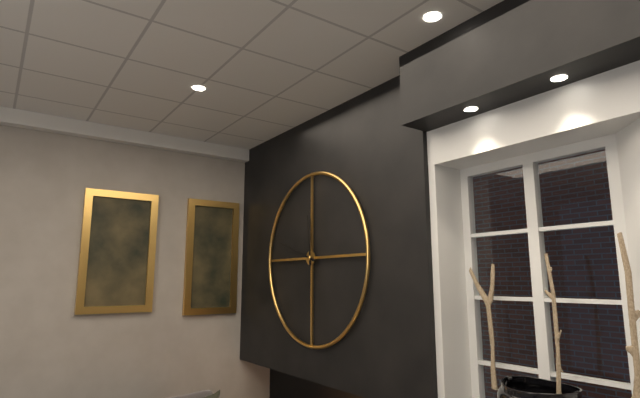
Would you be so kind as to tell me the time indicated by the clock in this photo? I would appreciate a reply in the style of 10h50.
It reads 11h48
